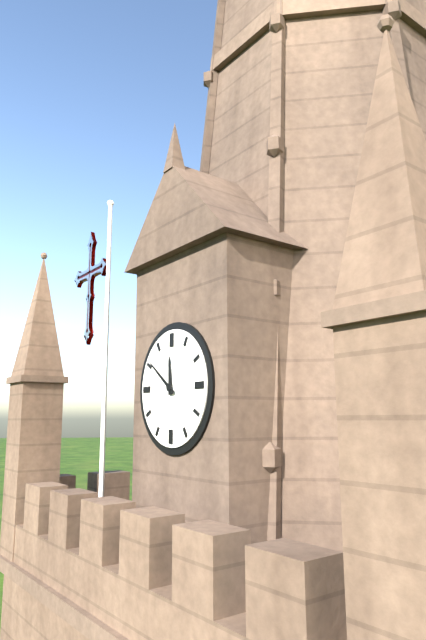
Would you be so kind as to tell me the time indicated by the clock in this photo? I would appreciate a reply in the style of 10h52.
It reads 11h51
